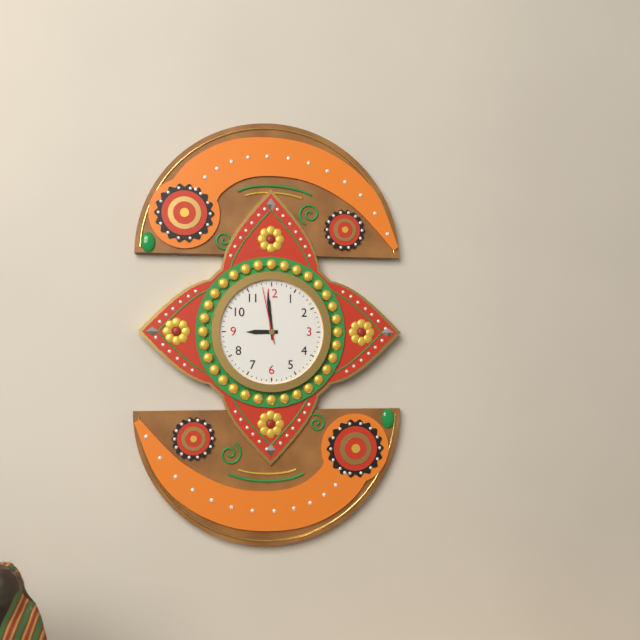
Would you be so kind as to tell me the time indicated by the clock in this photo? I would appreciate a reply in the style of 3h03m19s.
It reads 8h59m58s
